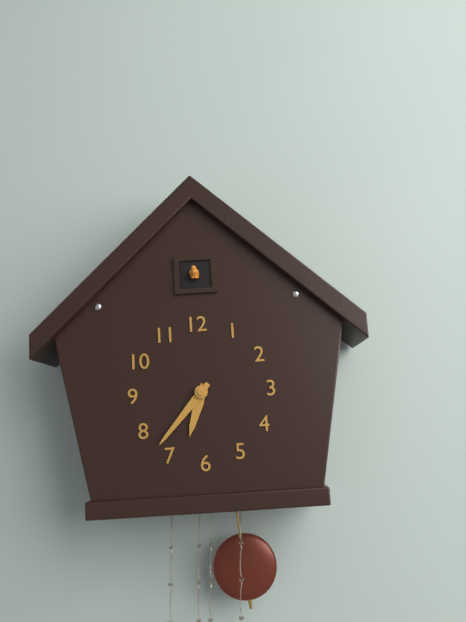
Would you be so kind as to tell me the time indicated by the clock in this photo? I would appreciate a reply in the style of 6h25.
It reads 6h37
